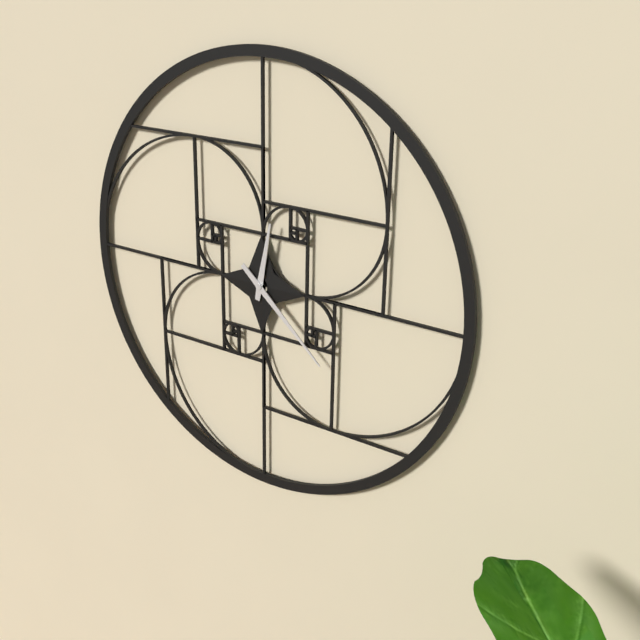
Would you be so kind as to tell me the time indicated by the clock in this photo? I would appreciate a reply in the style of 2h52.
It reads 12h22
